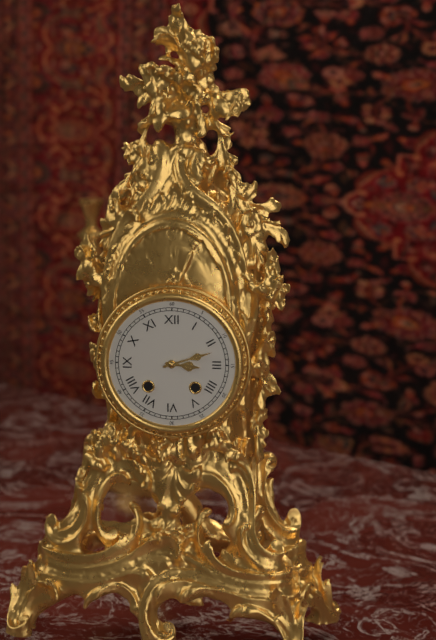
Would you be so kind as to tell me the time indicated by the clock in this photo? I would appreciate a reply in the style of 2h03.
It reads 3h12
